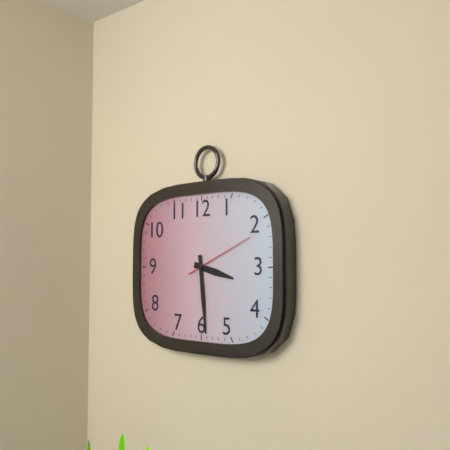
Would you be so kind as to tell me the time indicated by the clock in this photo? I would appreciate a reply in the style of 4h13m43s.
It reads 3h29m11s
